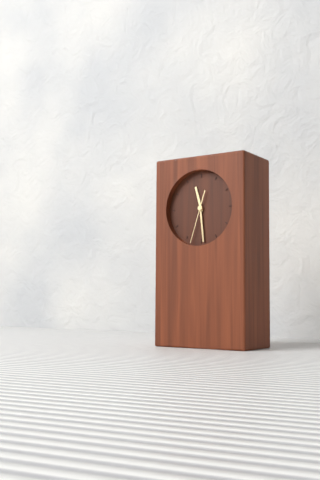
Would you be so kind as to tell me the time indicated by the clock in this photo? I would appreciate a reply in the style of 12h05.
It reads 11h29
